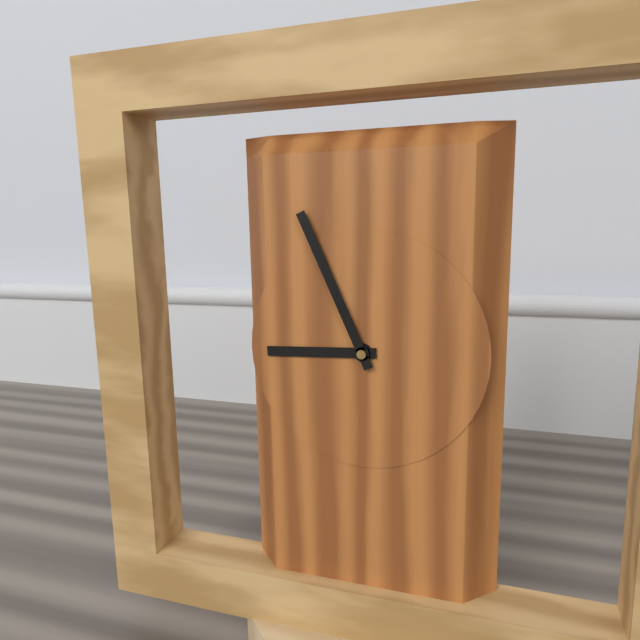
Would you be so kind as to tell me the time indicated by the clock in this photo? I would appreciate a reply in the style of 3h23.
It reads 8h56
